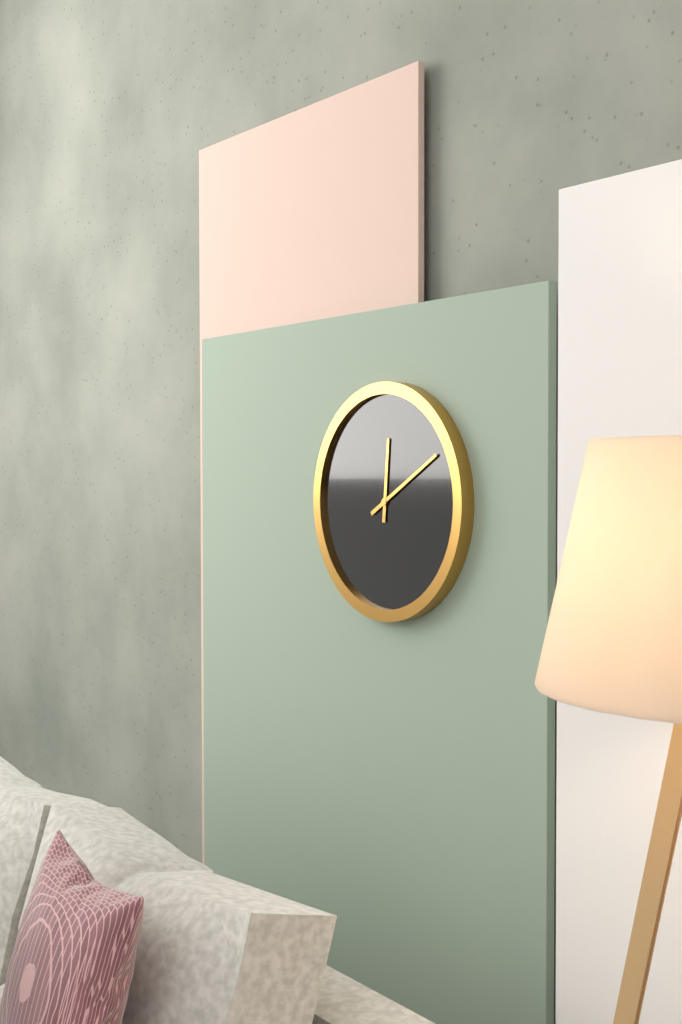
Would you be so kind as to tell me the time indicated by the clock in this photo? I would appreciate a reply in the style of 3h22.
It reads 12h10
